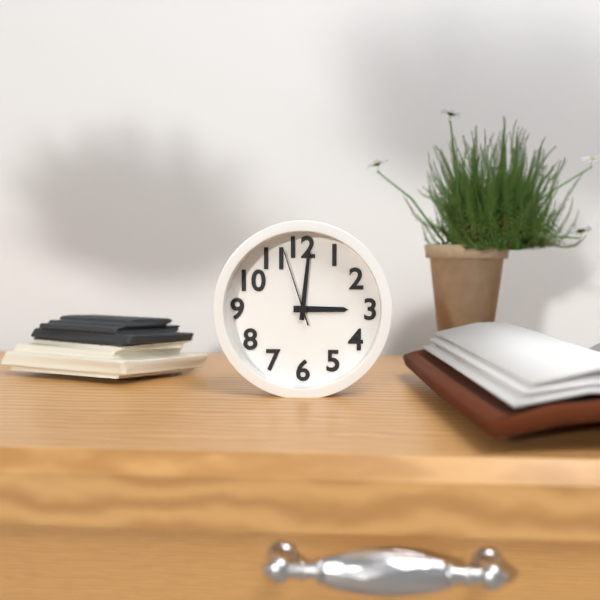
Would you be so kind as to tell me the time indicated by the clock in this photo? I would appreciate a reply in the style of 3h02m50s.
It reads 3h01m57s
